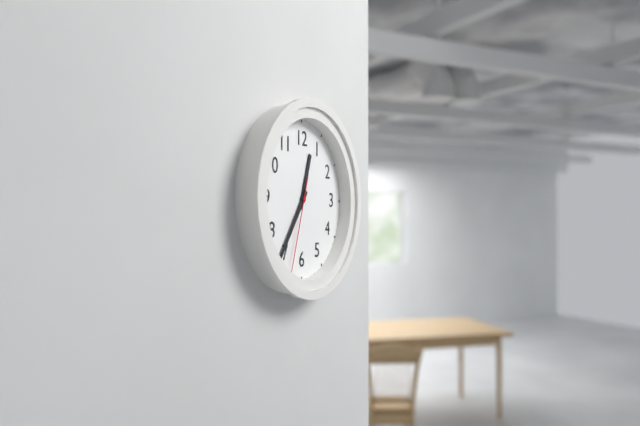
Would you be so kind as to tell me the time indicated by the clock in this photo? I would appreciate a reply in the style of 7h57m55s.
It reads 12h36m33s
